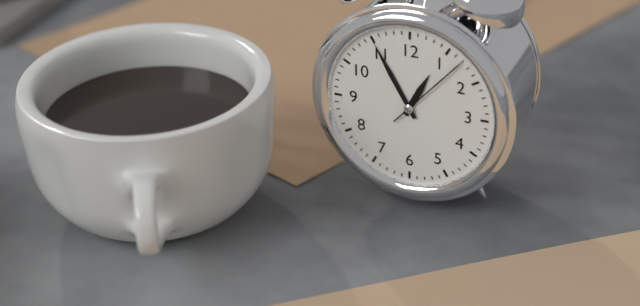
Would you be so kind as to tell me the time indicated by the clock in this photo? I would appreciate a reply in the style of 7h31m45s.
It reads 12h55m07s
